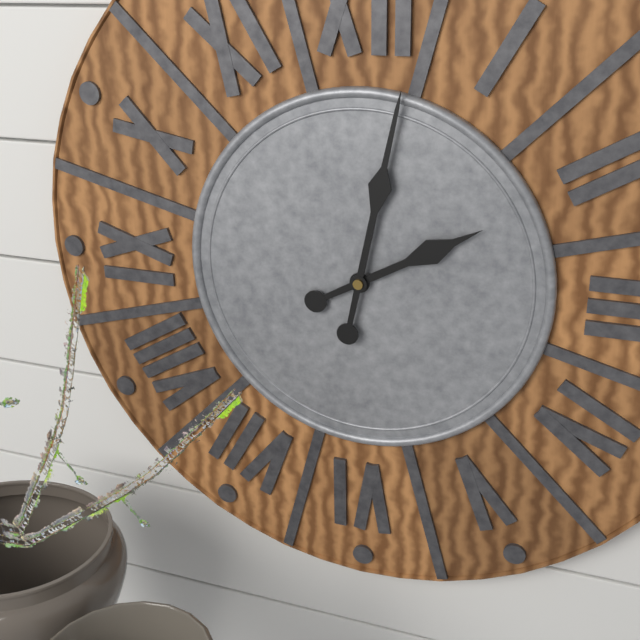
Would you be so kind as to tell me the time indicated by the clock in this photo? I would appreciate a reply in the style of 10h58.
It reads 2h02
